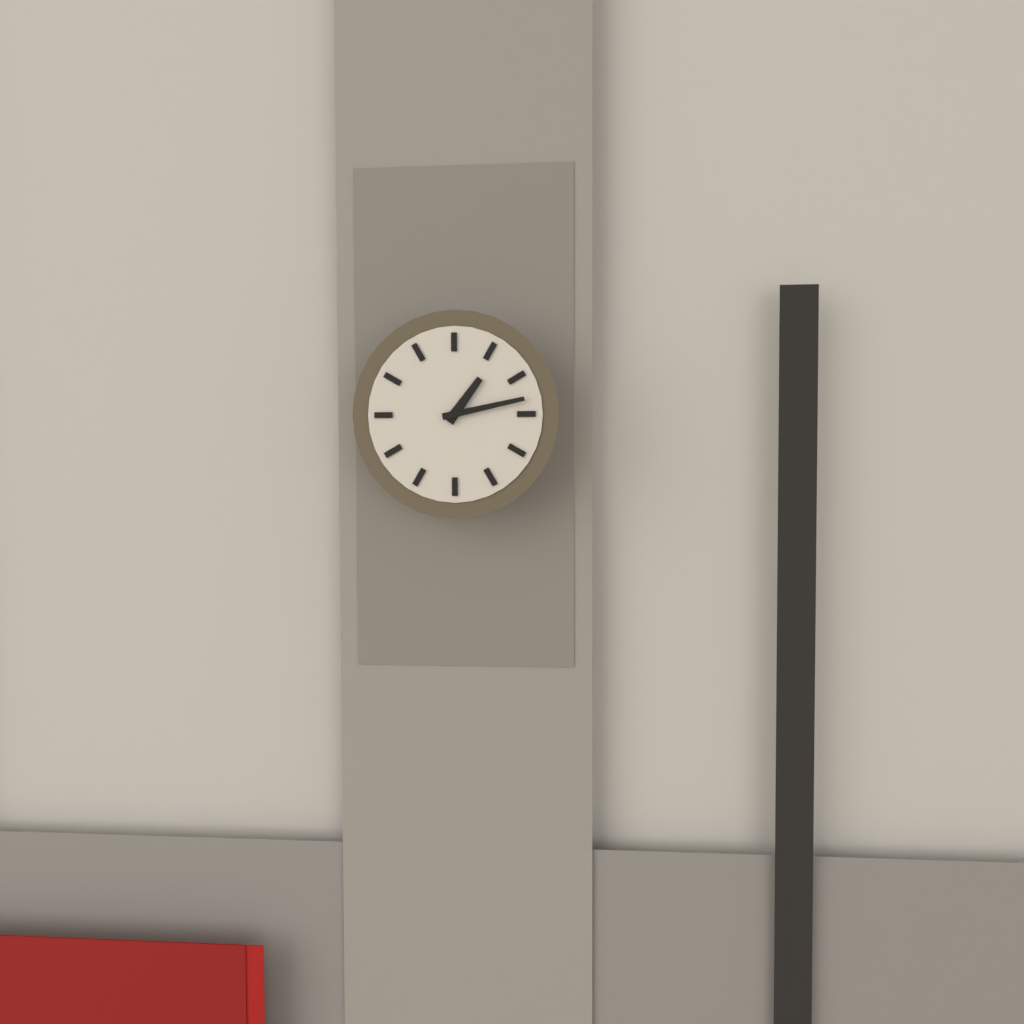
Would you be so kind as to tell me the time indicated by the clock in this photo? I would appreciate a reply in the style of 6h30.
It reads 1h13
